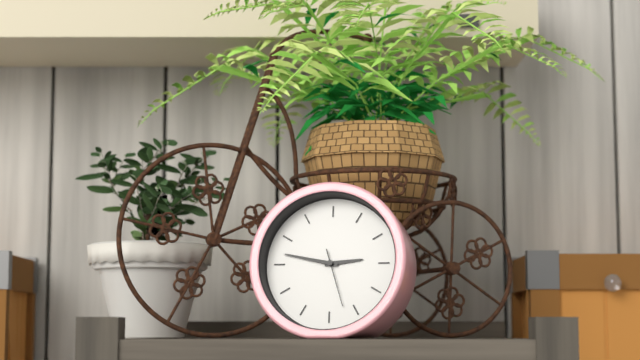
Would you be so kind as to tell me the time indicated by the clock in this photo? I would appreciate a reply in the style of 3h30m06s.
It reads 2h47m27s
